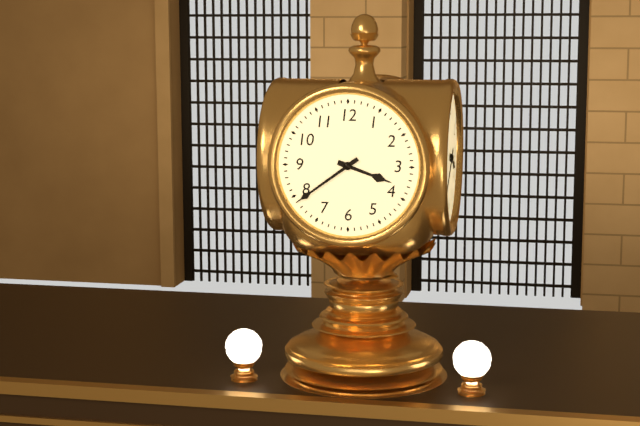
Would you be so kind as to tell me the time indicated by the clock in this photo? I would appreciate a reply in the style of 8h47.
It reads 3h39
